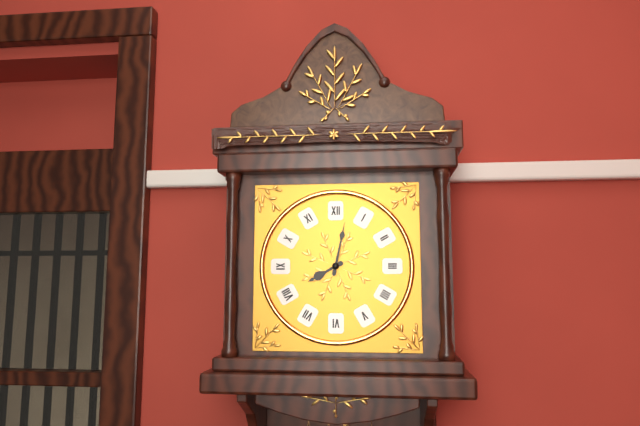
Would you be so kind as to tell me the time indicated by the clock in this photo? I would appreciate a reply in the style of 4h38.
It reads 8h02
